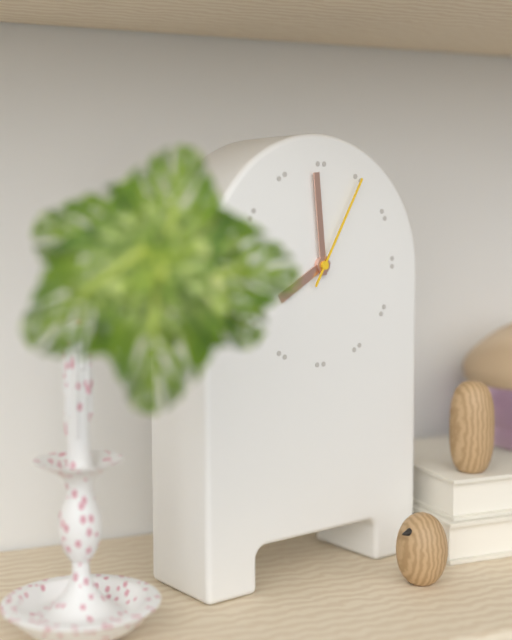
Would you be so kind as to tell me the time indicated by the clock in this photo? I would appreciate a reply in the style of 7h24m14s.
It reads 7h59m05s
